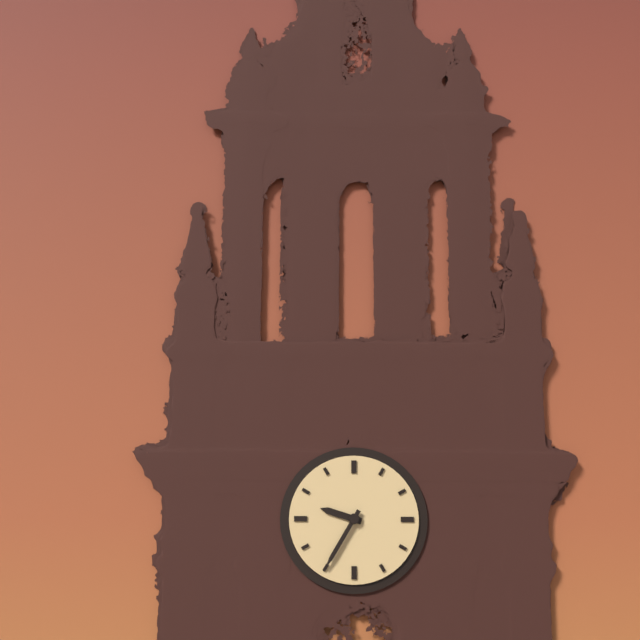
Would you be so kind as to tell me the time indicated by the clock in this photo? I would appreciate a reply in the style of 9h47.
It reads 9h35
